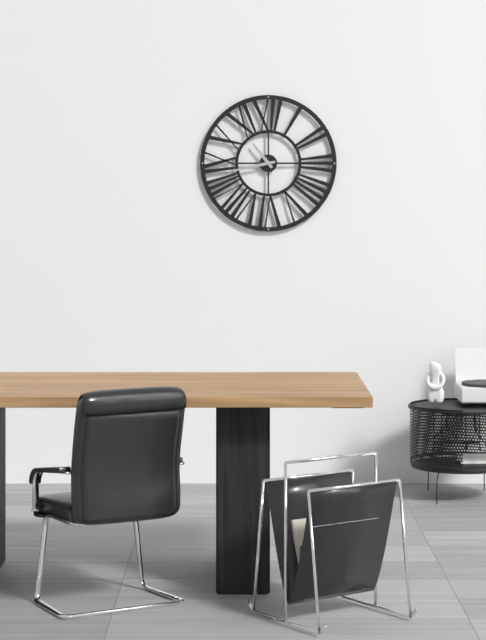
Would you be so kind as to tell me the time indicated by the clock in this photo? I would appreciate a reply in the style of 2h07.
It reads 10h43
